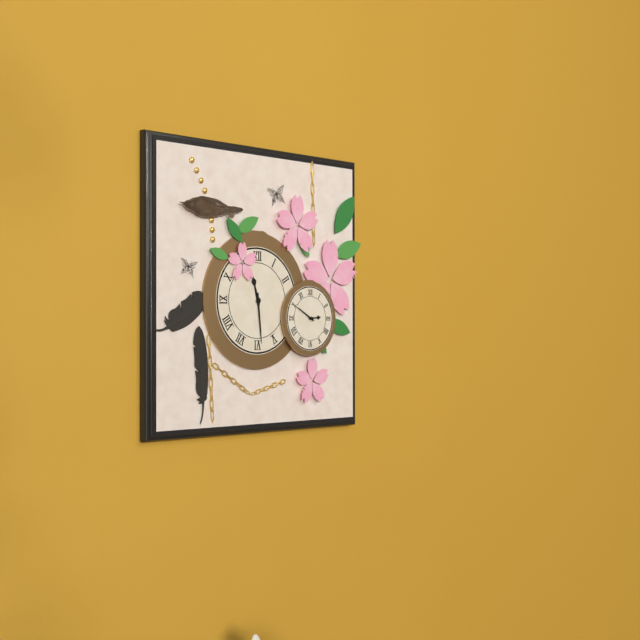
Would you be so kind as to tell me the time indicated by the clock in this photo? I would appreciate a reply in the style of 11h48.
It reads 11h29
